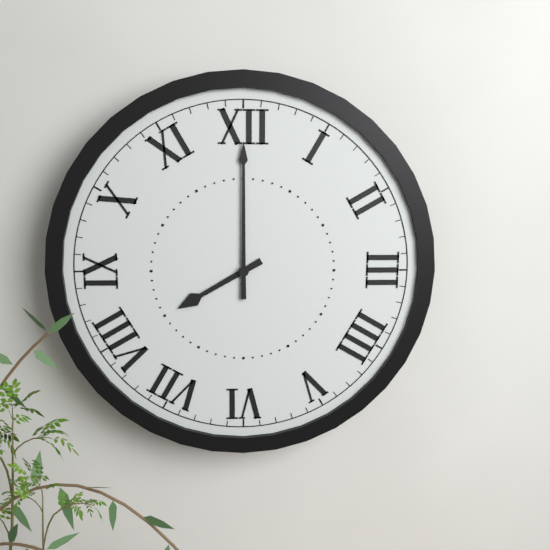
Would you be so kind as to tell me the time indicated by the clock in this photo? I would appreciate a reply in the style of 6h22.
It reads 8h00
